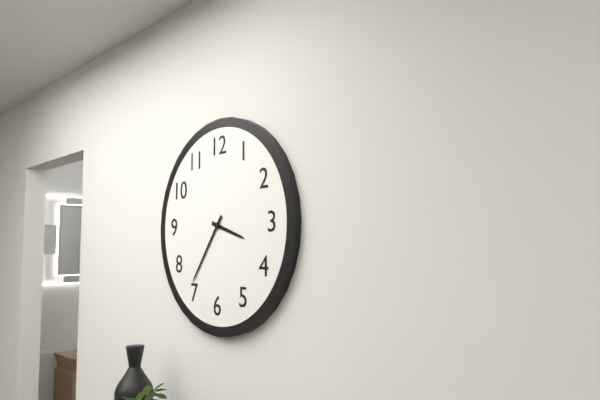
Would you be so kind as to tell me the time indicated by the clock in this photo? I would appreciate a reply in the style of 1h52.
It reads 3h36
